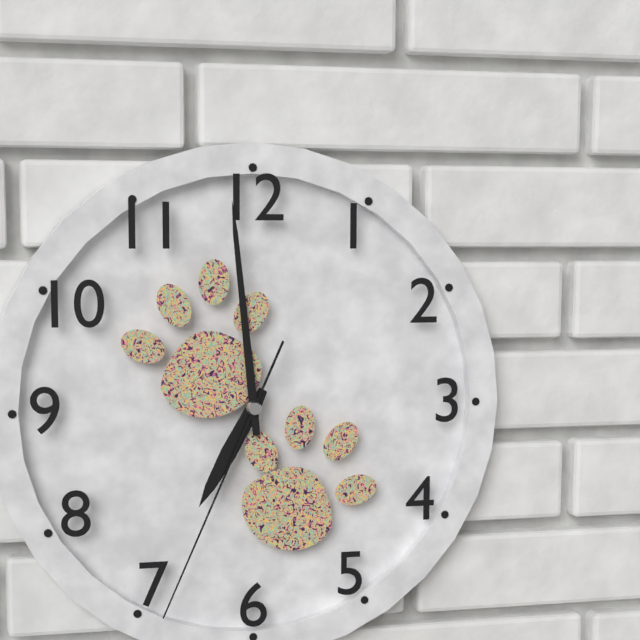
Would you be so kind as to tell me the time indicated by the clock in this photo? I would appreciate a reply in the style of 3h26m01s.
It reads 6h59m34s
